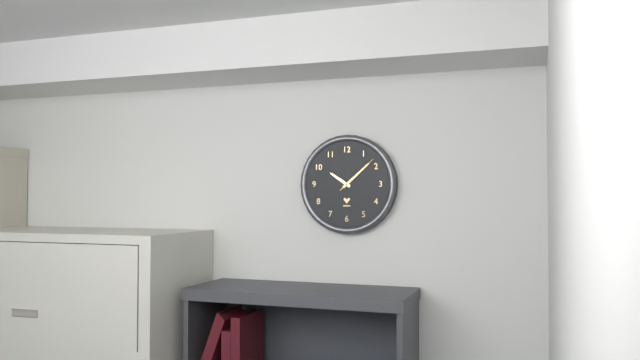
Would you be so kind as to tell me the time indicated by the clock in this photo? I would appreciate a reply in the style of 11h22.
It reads 10h08
